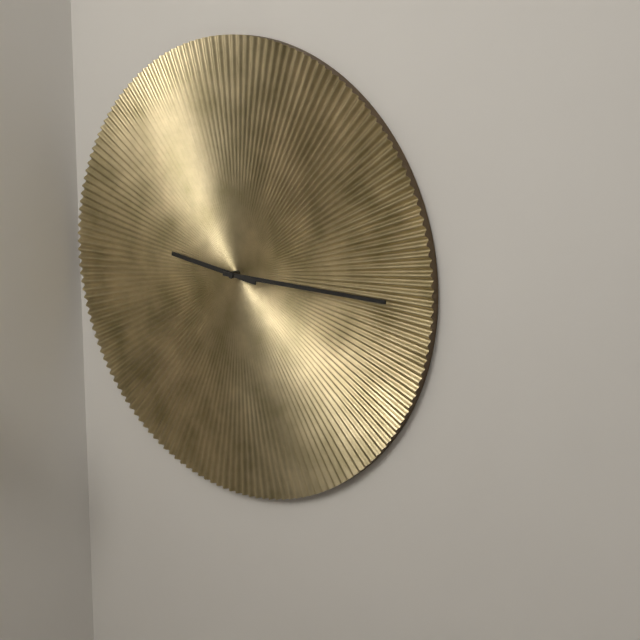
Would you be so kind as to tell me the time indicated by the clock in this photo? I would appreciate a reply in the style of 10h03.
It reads 9h15
